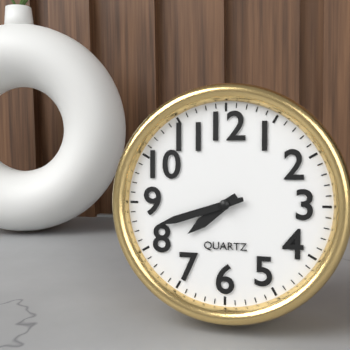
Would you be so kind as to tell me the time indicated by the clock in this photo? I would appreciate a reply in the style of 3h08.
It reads 7h42
